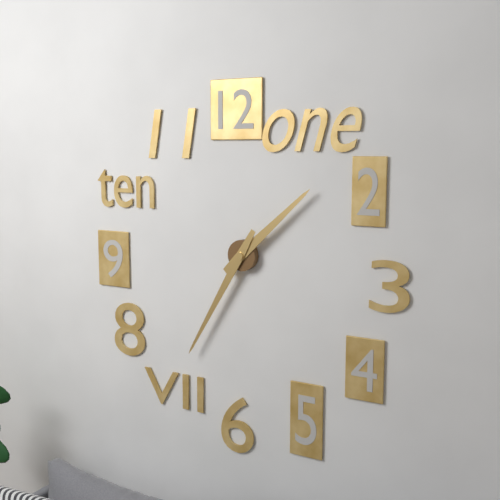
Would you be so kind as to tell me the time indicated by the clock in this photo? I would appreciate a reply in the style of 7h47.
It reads 1h35
